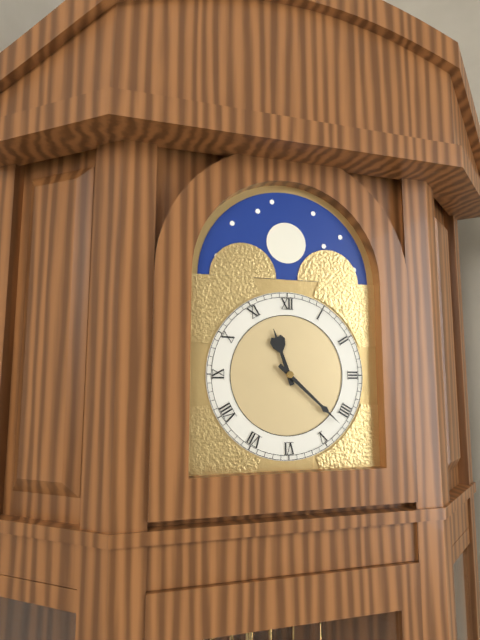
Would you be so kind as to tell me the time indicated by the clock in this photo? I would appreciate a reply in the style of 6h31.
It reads 11h22
